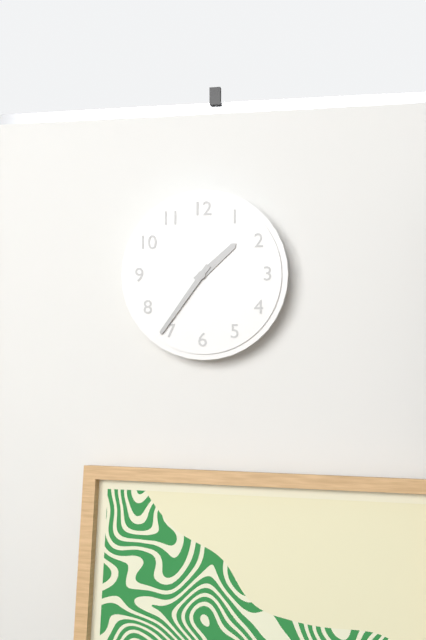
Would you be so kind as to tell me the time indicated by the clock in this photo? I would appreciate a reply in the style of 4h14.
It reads 1h36
